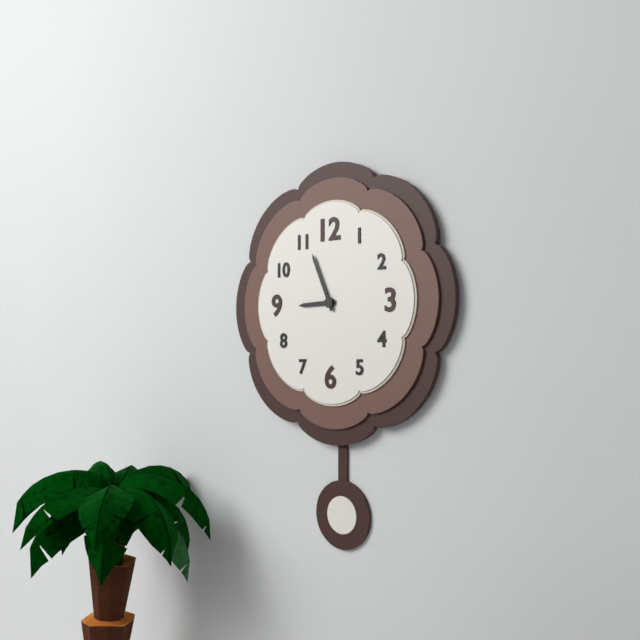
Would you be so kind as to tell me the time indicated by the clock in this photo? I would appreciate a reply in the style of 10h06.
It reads 8h56
